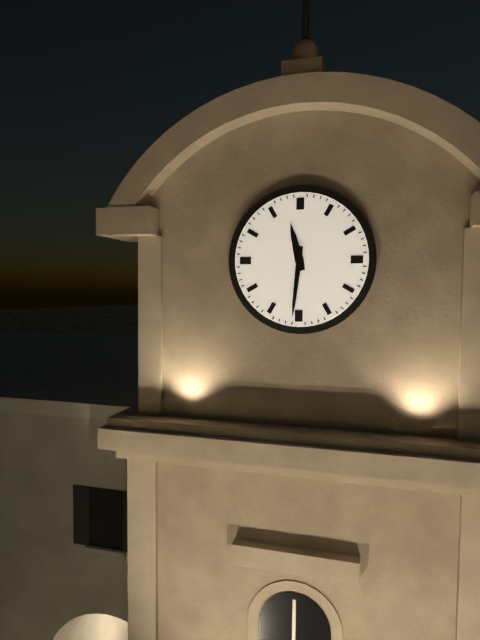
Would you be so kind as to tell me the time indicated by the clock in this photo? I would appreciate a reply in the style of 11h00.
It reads 11h31
